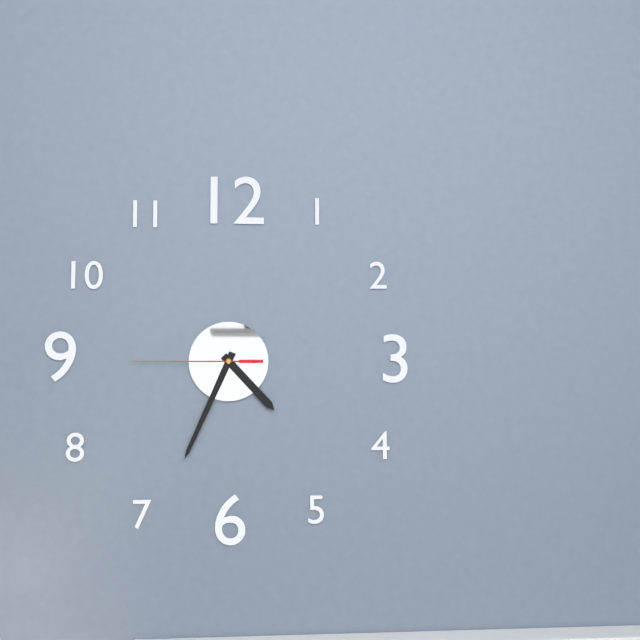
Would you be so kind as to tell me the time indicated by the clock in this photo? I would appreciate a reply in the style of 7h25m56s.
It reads 4h34m45s
